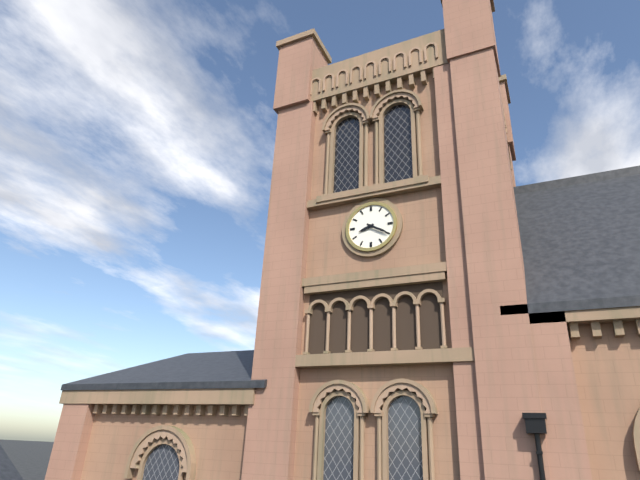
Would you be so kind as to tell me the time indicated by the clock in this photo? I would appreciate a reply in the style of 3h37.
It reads 8h20
